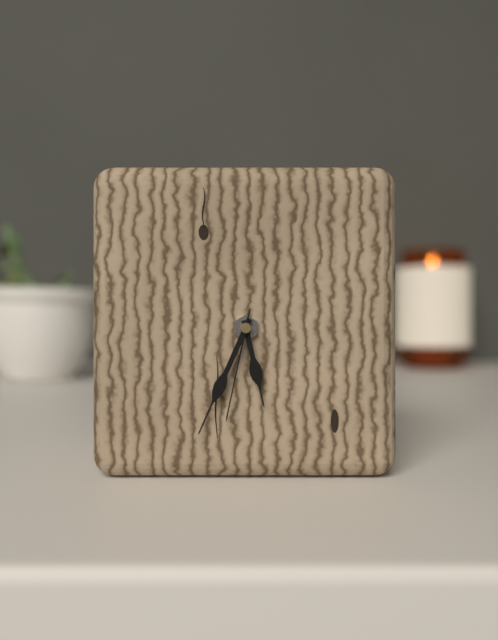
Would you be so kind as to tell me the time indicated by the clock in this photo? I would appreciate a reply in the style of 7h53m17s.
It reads 5h34m32s
